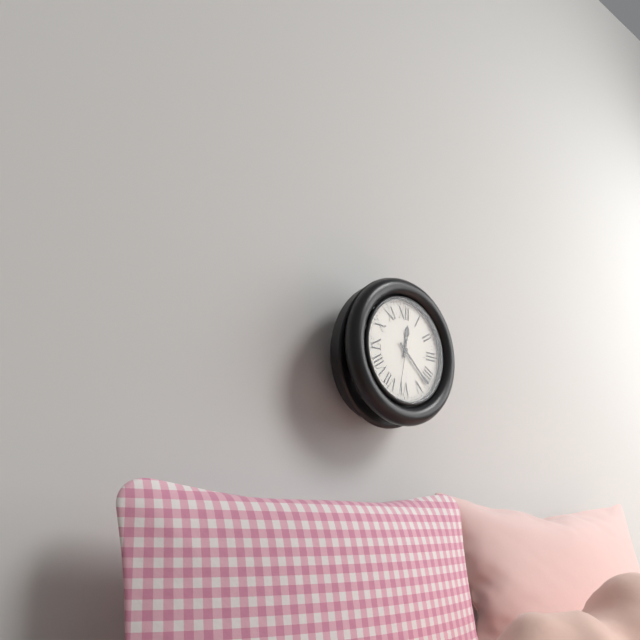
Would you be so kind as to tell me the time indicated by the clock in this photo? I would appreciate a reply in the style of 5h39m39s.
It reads 12h22m32s
